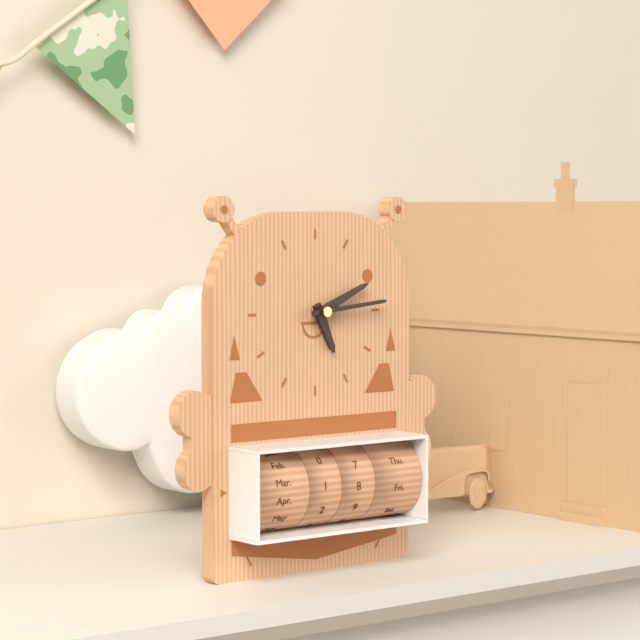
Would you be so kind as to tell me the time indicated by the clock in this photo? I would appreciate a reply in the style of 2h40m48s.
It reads 5h11m14s
